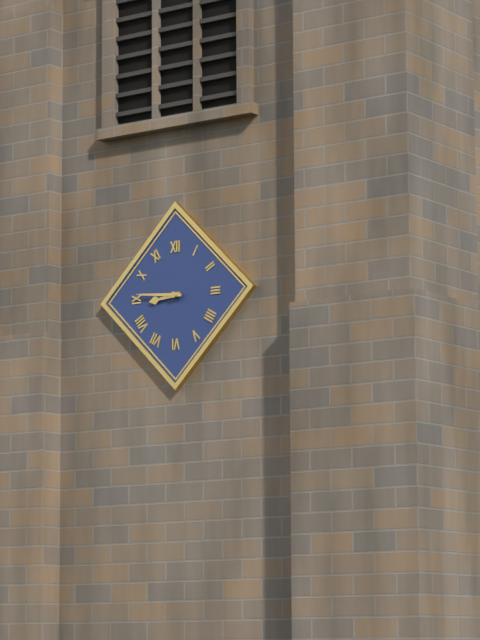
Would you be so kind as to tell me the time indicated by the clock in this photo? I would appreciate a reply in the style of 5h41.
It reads 8h46
